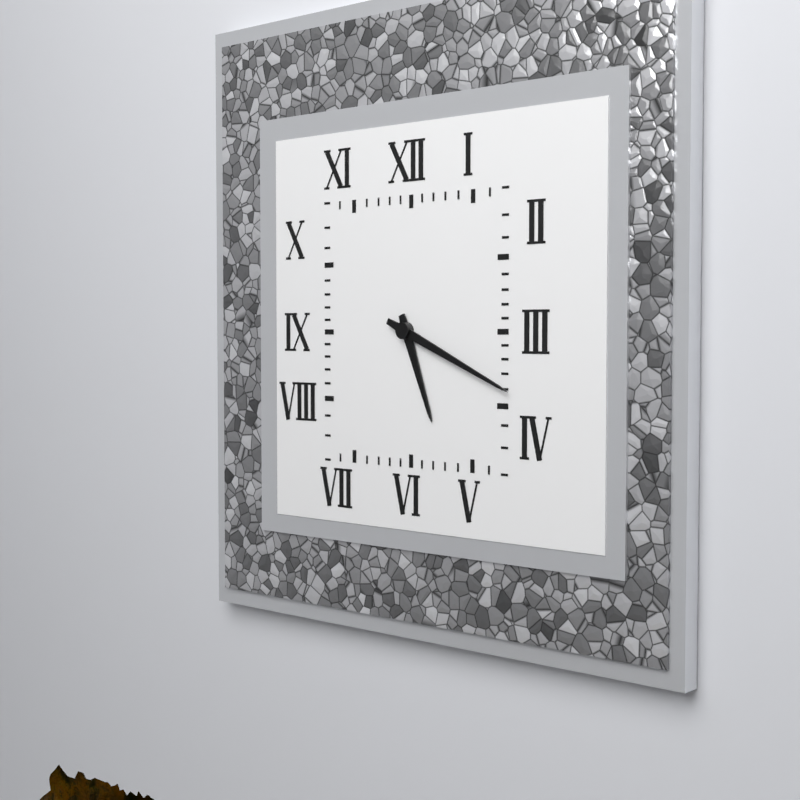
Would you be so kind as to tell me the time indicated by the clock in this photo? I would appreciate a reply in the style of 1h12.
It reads 5h19
